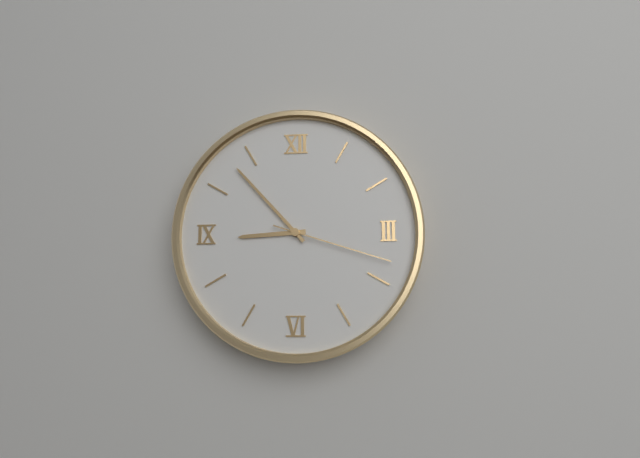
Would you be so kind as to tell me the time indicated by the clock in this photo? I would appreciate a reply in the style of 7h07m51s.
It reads 8h53m18s
